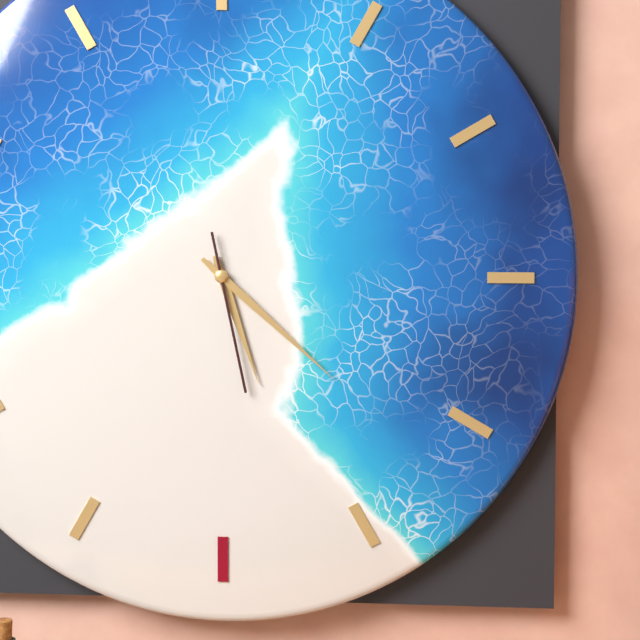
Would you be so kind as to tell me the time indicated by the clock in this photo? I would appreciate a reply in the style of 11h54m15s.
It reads 5h22m28s
